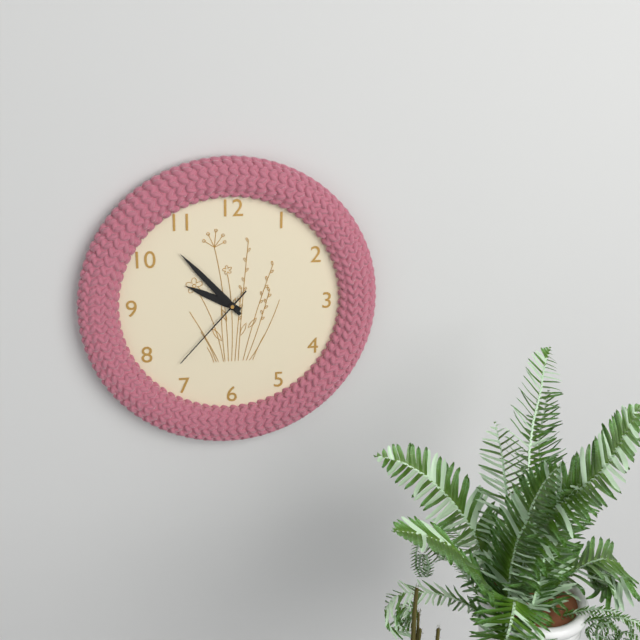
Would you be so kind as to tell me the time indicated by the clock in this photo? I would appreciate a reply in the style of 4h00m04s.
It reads 9h53m37s
